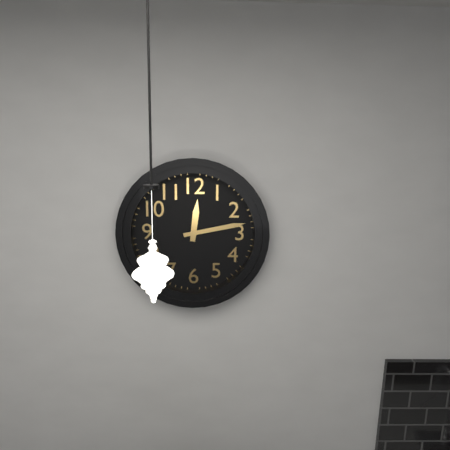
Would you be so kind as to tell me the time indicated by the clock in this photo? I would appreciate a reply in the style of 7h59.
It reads 12h13
